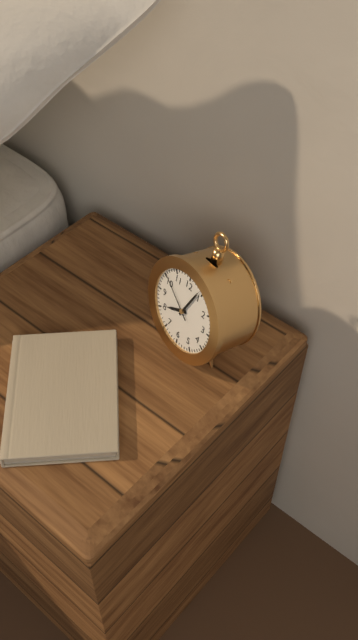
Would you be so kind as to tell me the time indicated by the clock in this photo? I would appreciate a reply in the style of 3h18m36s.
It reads 8h04m51s
